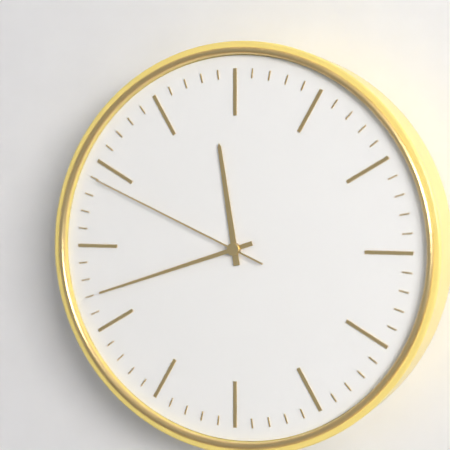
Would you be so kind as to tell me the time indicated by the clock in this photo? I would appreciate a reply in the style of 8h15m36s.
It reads 11h42m49s
